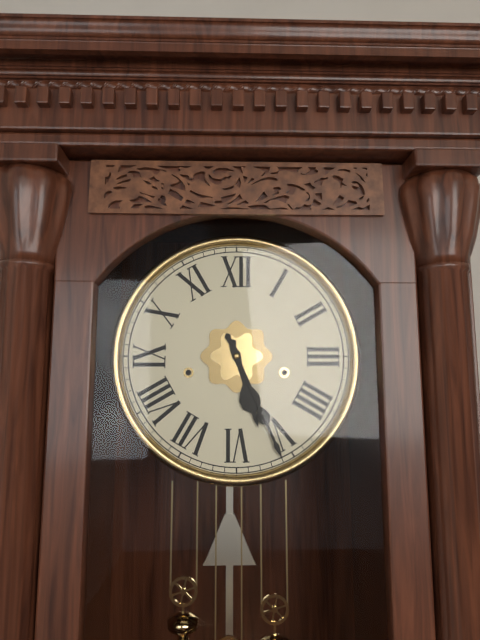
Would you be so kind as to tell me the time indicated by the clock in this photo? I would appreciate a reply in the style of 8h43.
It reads 5h26
